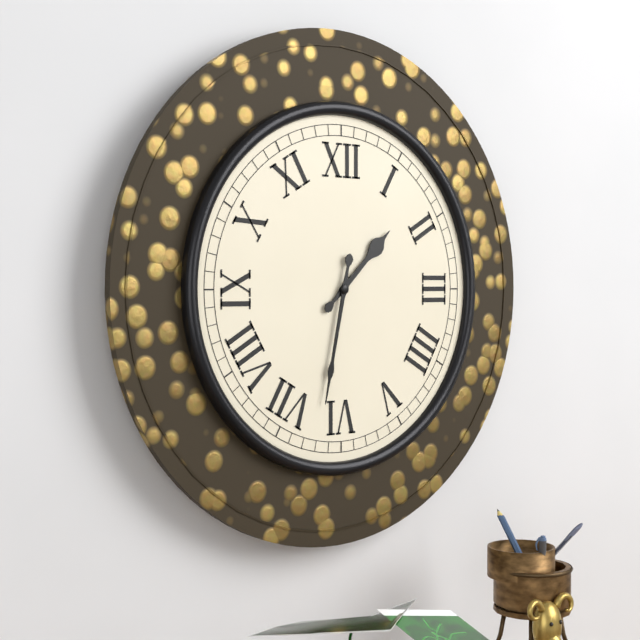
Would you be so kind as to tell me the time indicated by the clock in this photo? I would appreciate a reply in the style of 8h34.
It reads 1h32
